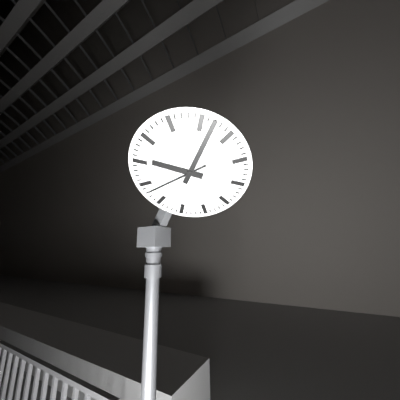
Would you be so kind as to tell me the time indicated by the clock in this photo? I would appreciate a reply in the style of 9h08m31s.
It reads 10h07m43s
